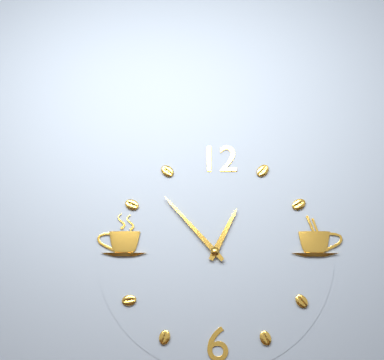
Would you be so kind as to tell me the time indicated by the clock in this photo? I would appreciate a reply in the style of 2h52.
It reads 12h53
